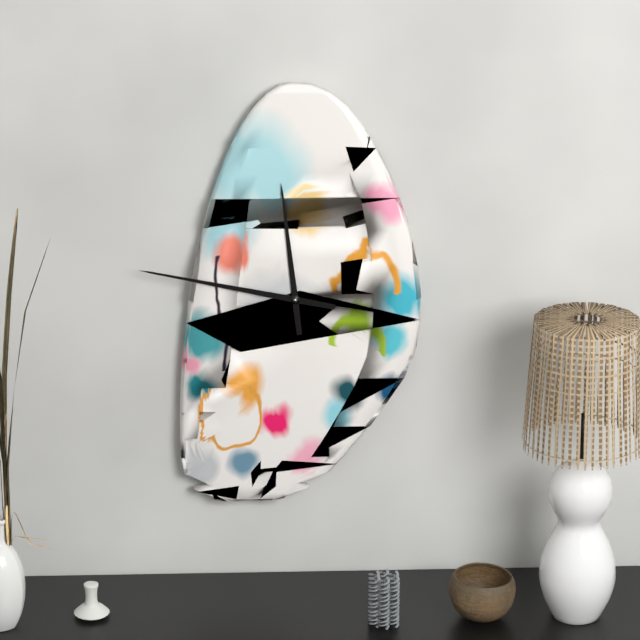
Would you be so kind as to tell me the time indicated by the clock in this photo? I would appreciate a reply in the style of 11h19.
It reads 11h47
